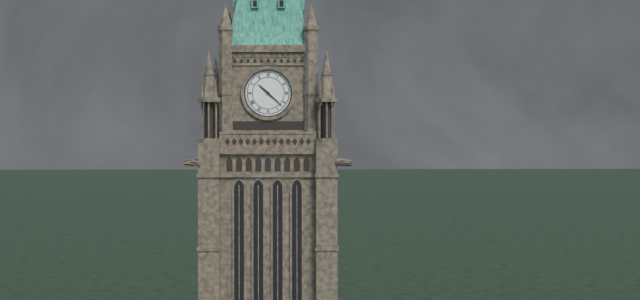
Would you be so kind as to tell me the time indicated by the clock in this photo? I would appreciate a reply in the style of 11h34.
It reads 10h22
